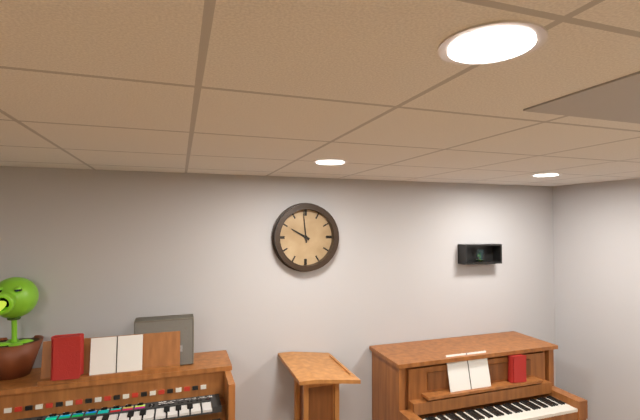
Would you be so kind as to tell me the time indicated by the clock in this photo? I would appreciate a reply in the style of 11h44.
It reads 9h59
